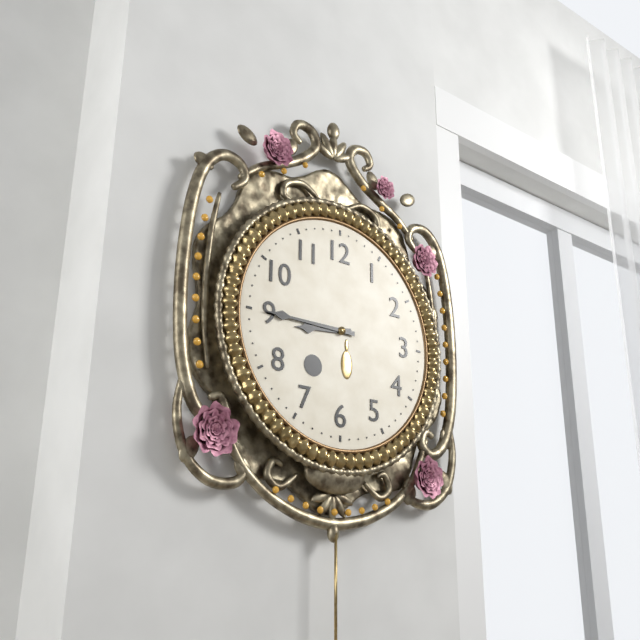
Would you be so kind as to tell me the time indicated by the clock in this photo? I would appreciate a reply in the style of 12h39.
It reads 8h45
